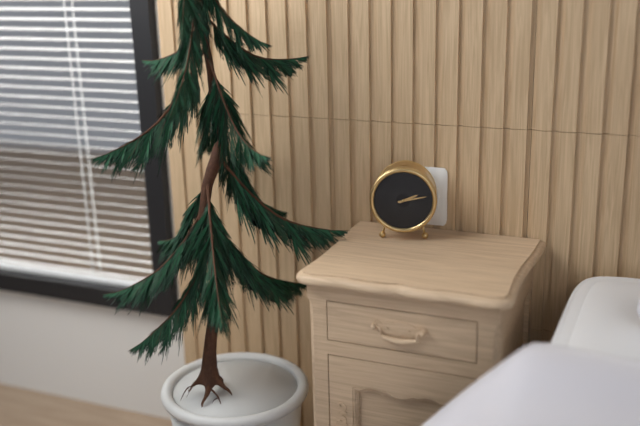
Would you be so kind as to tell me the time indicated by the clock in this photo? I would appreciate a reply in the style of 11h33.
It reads 2h13
